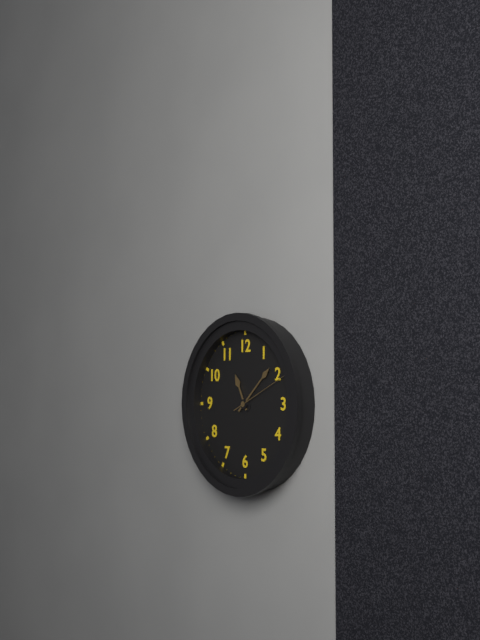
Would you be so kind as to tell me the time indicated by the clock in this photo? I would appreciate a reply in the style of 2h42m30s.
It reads 11h08m11s
